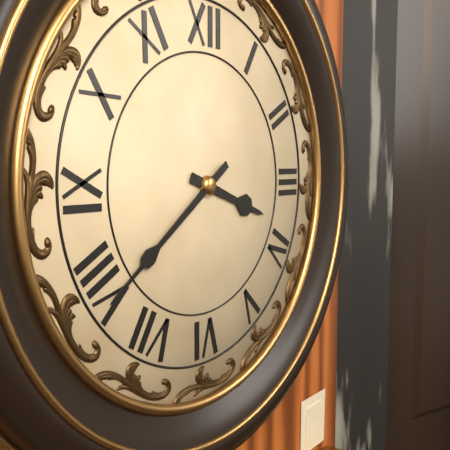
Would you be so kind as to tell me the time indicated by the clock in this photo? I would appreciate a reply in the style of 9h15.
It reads 3h39
